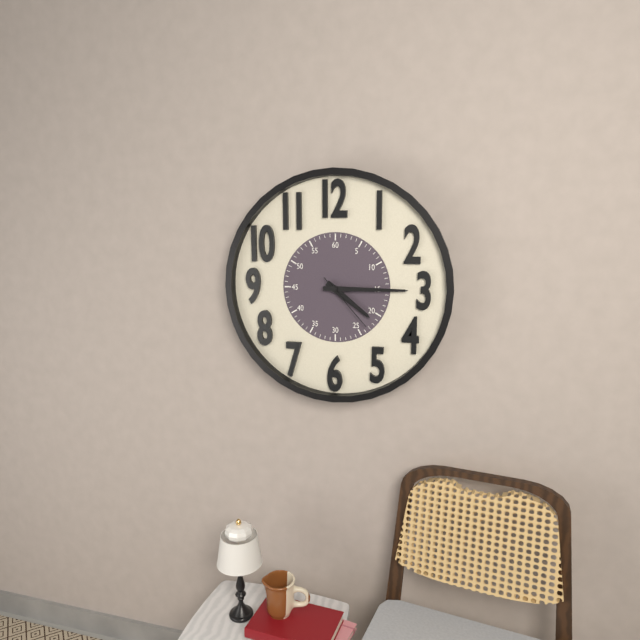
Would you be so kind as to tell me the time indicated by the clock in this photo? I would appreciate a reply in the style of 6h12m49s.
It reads 4h15m23s
